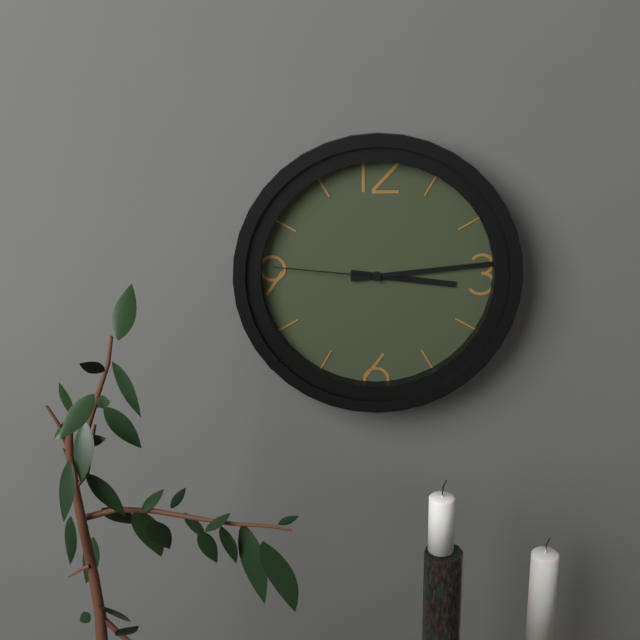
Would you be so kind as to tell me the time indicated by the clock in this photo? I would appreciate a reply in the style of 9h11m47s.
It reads 3h14m46s
